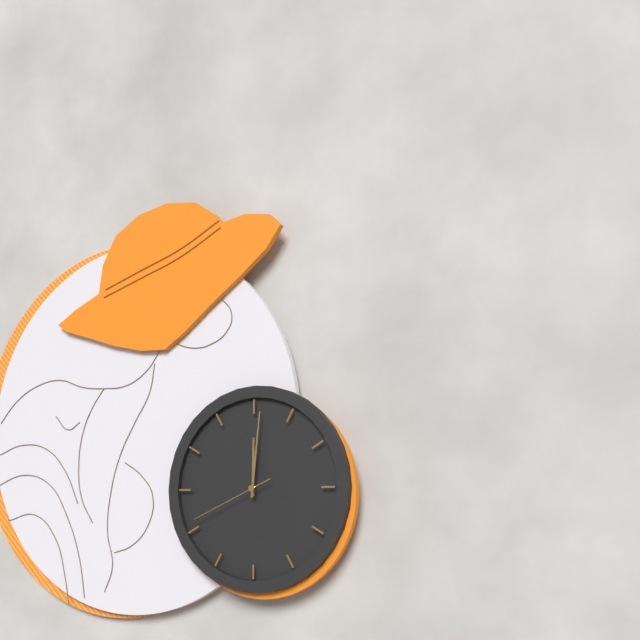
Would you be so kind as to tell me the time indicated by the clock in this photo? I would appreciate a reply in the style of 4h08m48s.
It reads 12h01m41s
